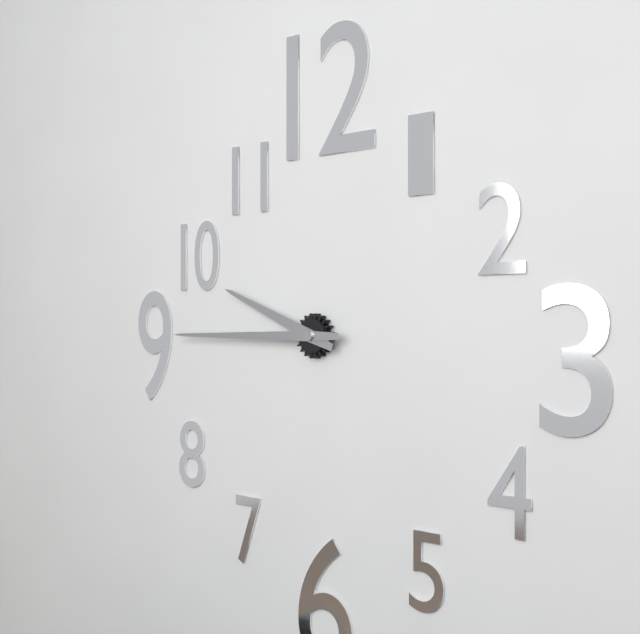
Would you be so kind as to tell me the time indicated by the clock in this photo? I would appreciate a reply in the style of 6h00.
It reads 9h45
